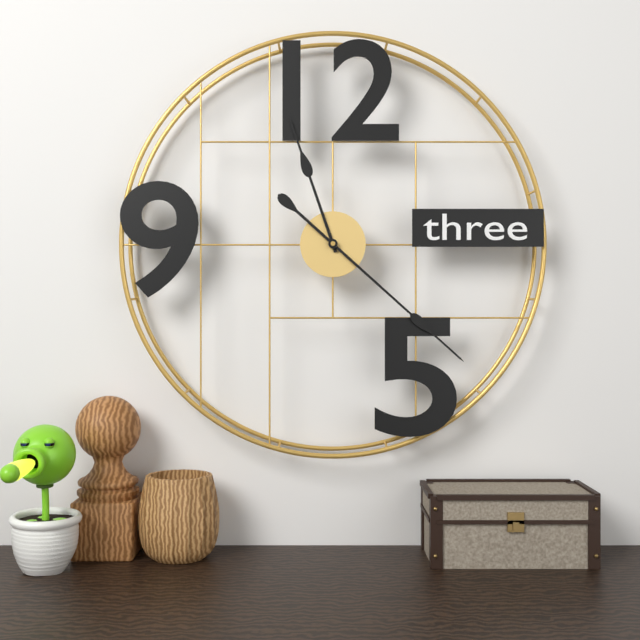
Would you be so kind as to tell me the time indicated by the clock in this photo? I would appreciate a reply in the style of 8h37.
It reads 11h22
